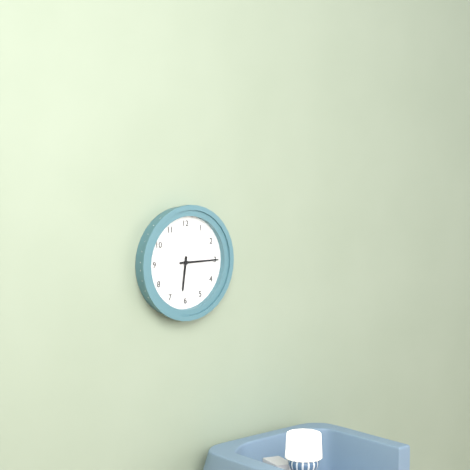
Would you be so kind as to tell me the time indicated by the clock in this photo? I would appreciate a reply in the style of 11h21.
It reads 6h15
